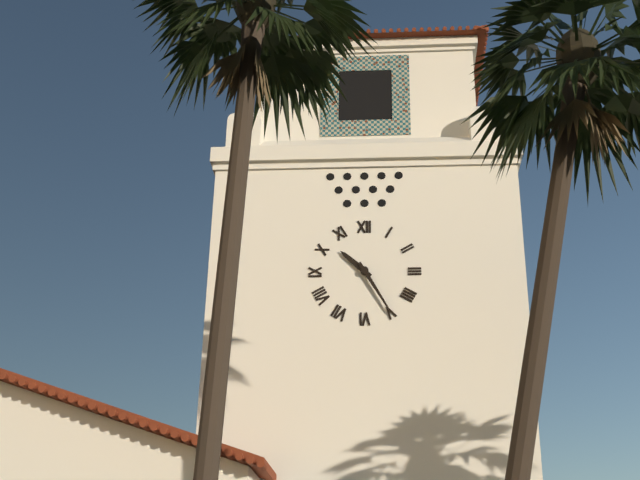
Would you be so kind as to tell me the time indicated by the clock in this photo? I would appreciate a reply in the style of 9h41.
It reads 10h25
